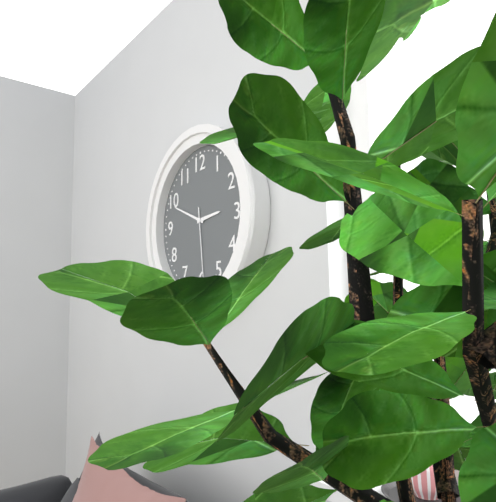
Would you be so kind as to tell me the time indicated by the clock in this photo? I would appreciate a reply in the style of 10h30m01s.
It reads 2h49m29s
